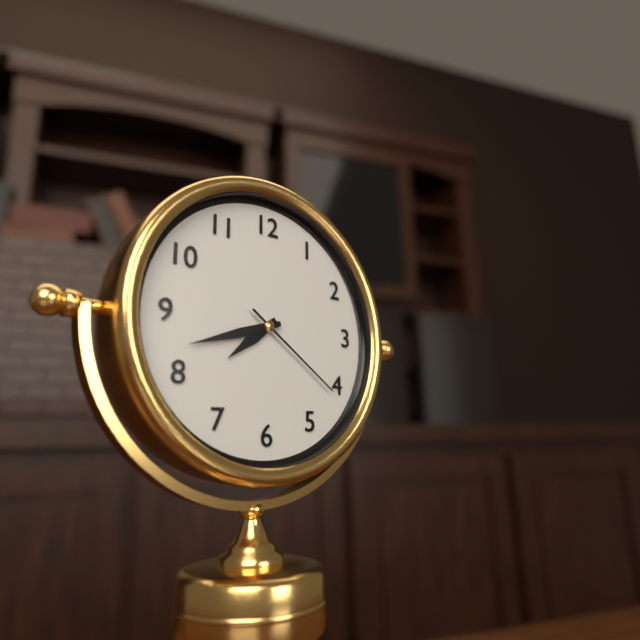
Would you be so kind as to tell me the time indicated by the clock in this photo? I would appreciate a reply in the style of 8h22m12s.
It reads 7h42m21s
